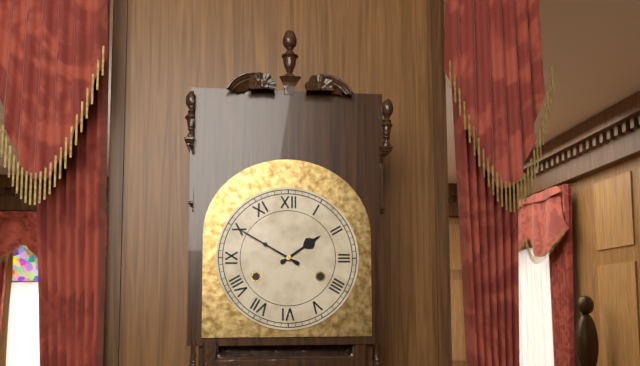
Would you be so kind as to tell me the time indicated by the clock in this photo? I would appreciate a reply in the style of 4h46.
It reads 1h50
